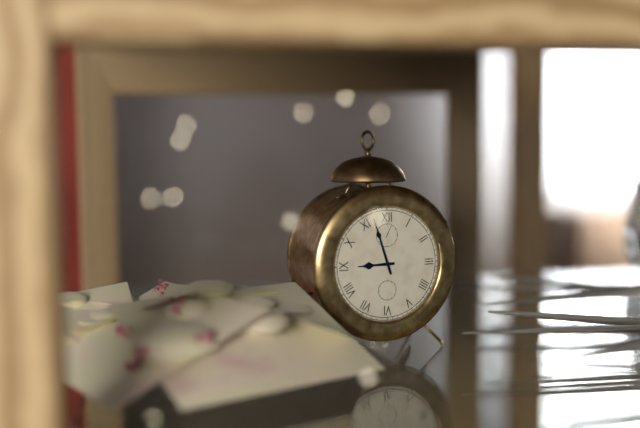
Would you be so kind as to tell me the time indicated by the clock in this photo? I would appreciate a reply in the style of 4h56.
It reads 8h57
